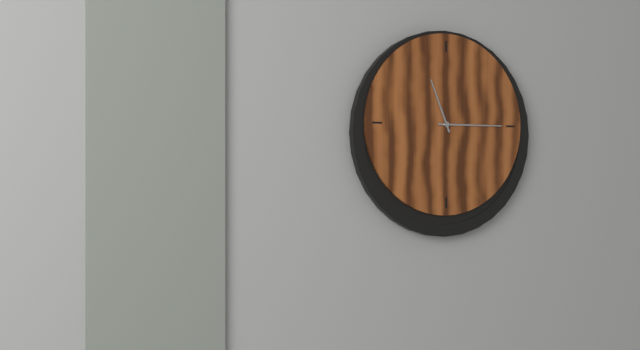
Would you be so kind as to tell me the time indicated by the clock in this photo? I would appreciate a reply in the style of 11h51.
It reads 11h15
